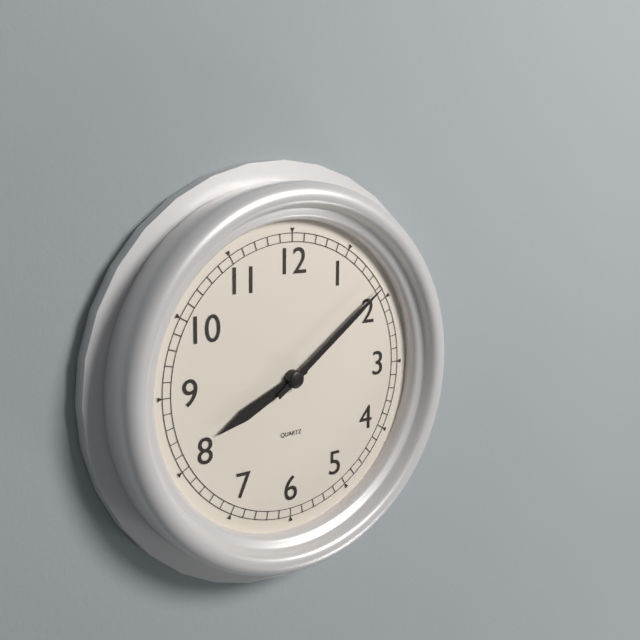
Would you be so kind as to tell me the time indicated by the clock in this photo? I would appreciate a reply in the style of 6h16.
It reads 8h09
